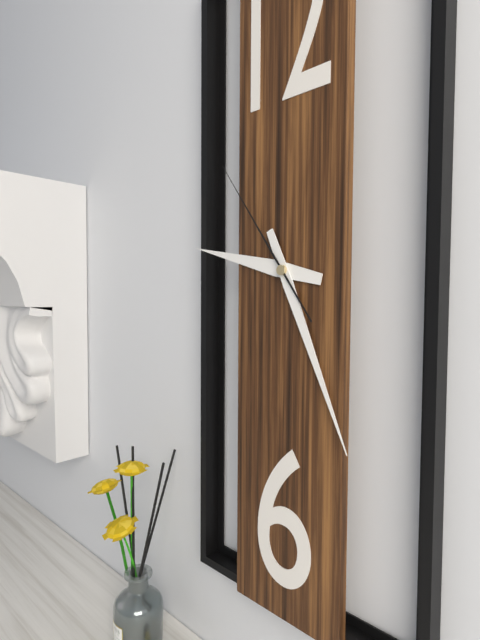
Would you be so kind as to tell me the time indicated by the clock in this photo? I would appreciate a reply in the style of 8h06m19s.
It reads 9h26m54s
